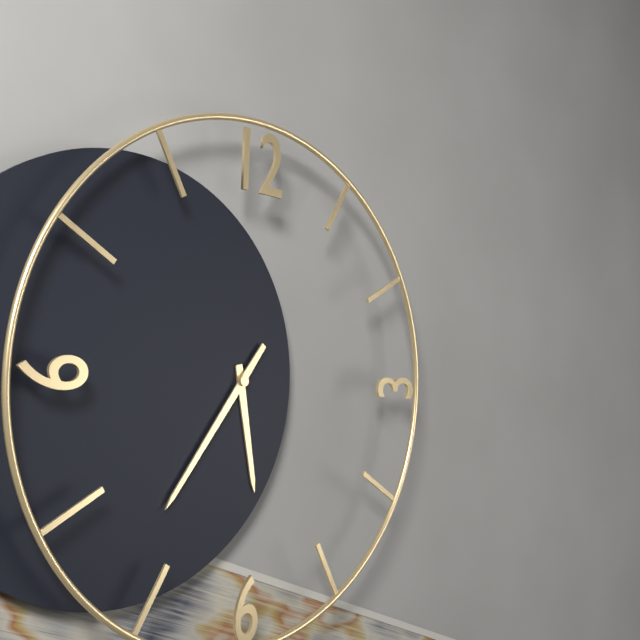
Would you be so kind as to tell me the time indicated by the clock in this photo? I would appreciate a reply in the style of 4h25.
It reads 5h36
